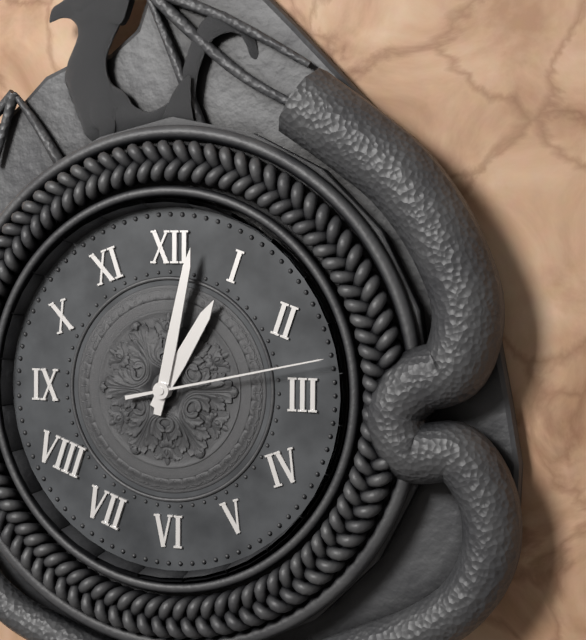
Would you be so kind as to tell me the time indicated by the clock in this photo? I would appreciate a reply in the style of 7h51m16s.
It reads 1h02m13s
